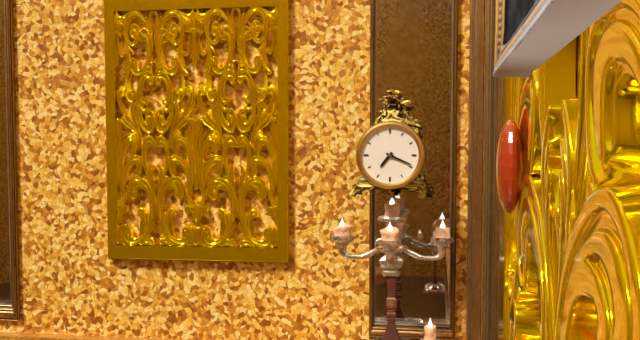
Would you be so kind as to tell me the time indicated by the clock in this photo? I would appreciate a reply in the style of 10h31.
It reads 7h19
